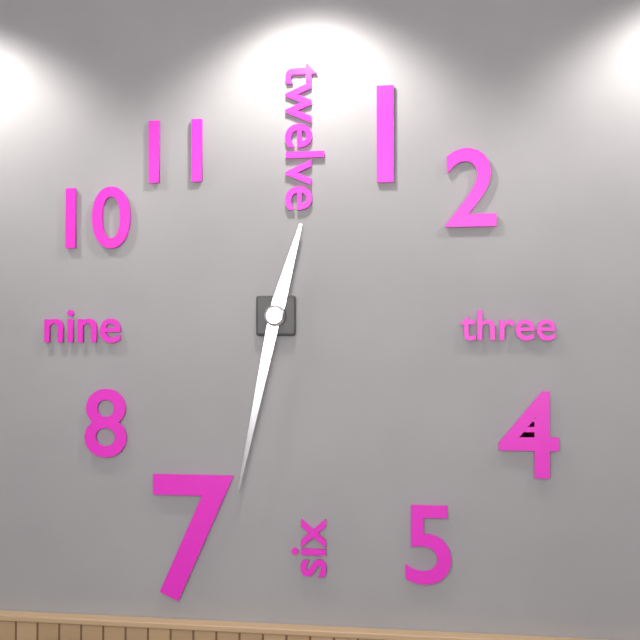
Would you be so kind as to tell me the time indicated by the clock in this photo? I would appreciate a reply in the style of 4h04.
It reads 12h32
